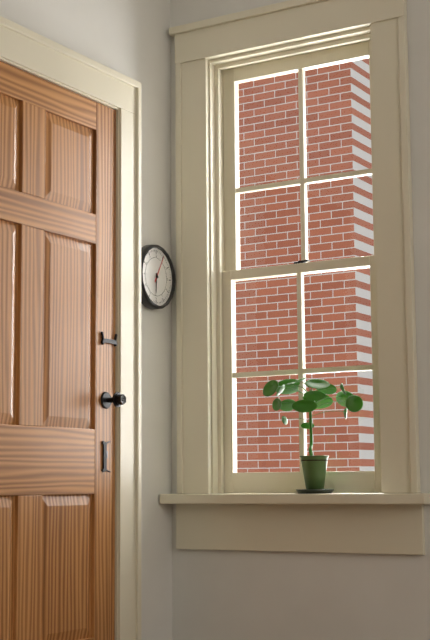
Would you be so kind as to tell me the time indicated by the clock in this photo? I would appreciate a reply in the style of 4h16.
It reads 6h05
